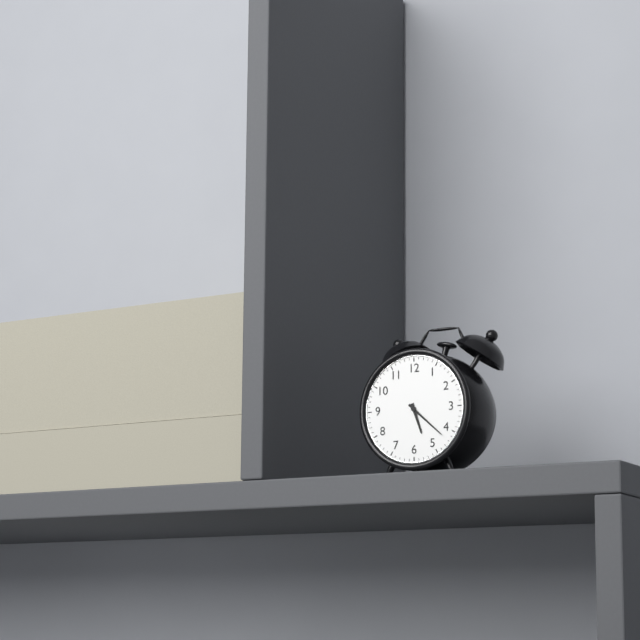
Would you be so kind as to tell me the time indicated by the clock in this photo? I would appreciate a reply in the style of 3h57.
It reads 5h22
